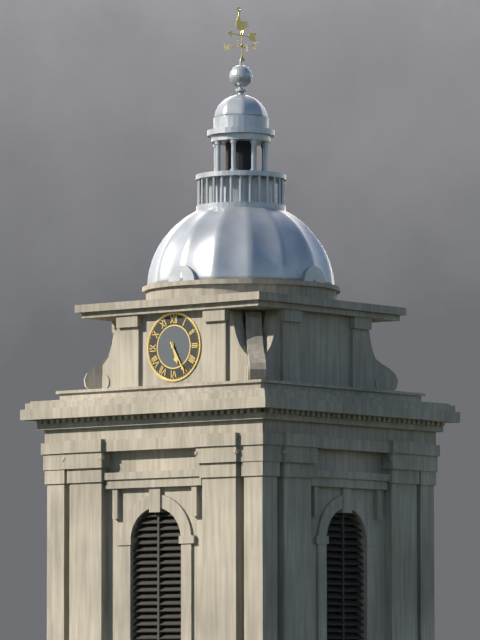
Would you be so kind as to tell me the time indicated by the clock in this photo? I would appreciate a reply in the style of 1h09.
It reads 5h25
